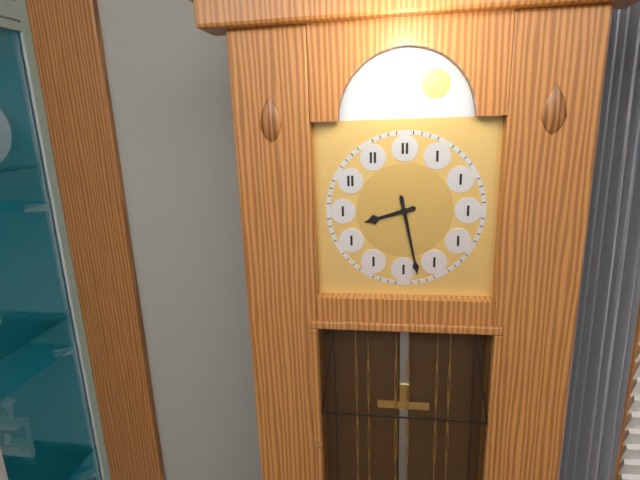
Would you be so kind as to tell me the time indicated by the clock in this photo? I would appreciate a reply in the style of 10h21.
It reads 8h28
